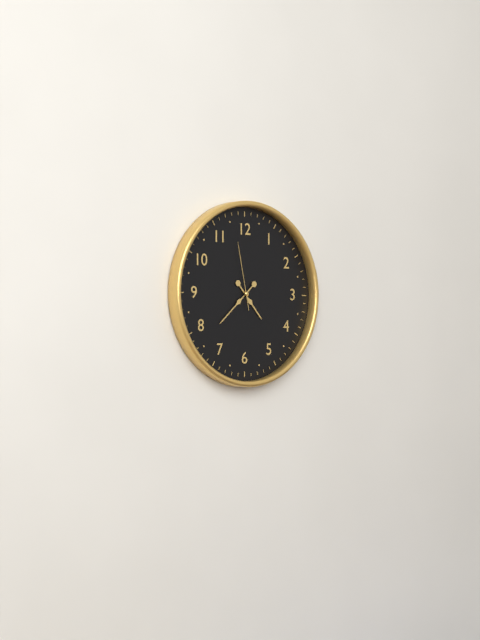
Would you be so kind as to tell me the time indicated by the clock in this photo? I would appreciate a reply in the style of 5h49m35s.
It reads 4h38m58s
